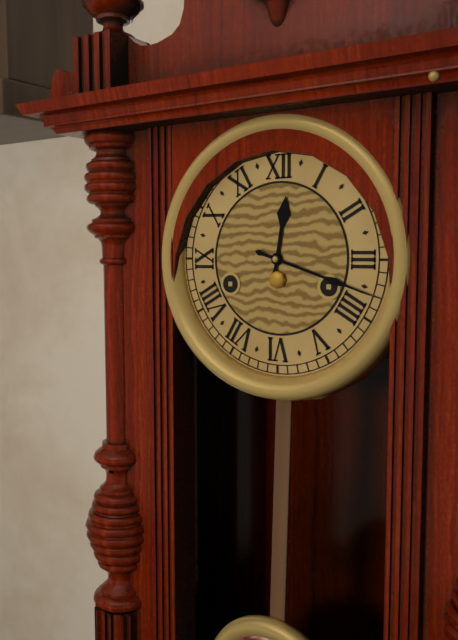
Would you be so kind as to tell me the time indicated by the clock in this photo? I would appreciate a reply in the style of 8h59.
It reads 12h18
